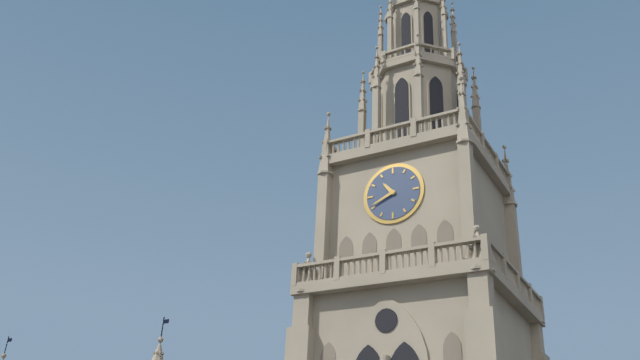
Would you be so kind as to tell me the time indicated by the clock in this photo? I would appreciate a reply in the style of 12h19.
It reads 10h41
